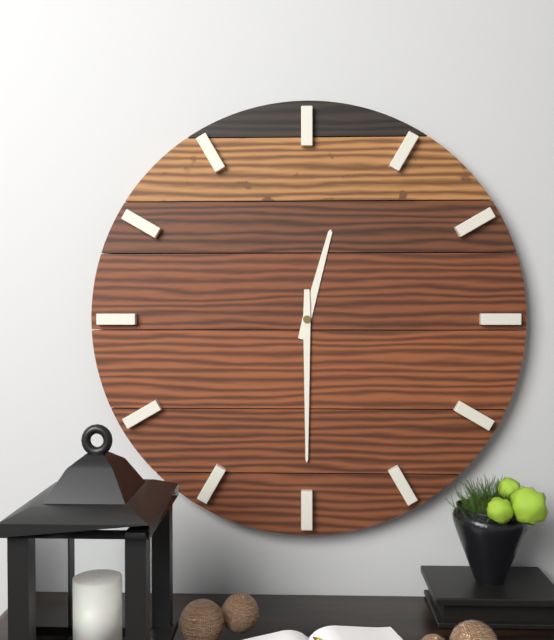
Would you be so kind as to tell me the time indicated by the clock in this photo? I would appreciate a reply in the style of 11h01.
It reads 12h30
